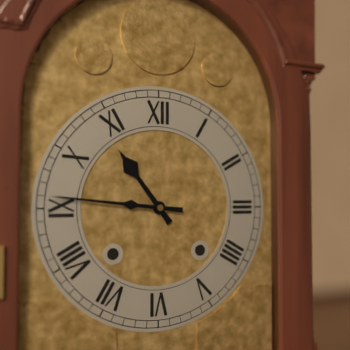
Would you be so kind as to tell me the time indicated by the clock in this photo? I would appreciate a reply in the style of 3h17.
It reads 10h46
